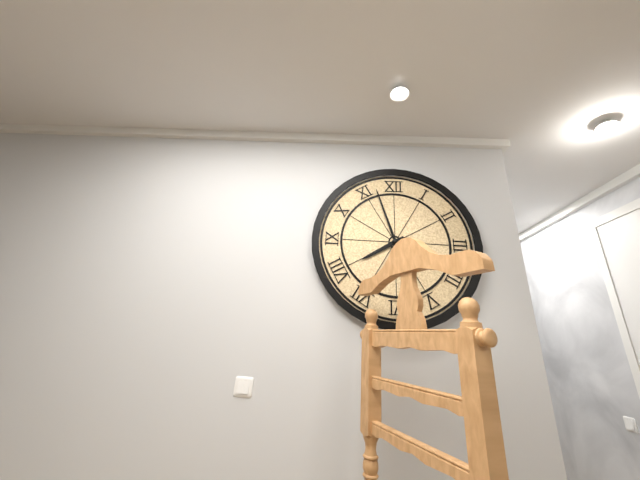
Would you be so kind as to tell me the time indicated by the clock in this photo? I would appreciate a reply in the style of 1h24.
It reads 7h57
